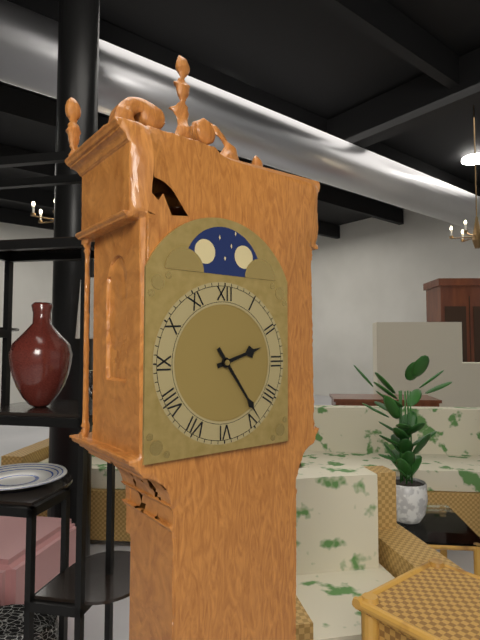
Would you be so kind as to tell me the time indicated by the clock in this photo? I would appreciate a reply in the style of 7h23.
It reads 2h24
